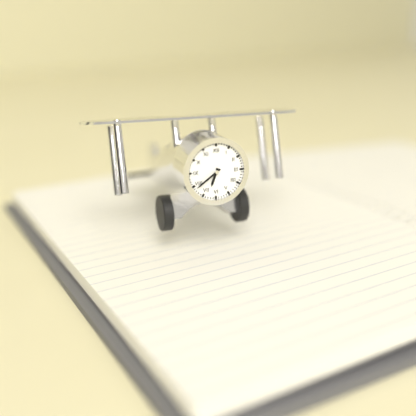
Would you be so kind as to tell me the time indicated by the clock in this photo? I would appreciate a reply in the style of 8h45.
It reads 6h39
